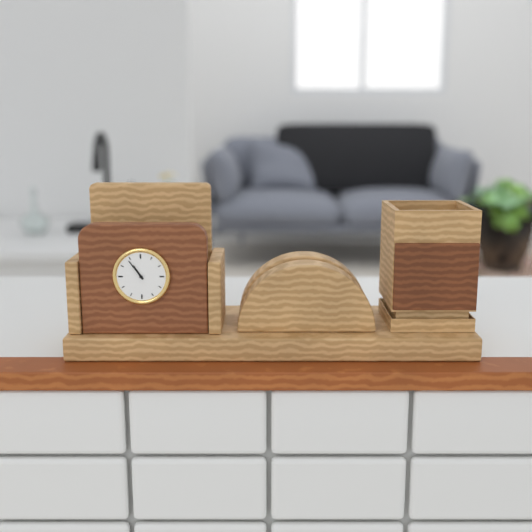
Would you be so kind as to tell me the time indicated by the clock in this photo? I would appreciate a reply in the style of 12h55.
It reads 10h54
